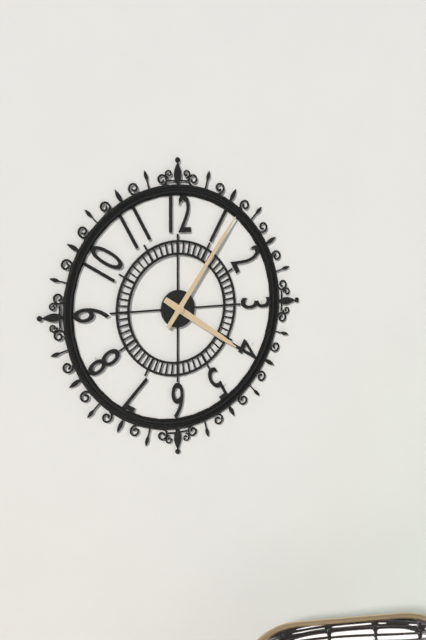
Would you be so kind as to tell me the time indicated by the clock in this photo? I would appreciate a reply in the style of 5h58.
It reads 4h06
